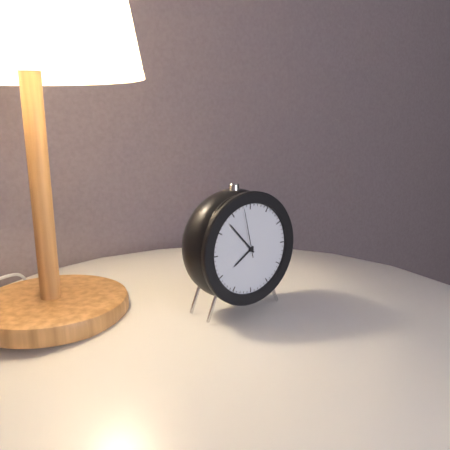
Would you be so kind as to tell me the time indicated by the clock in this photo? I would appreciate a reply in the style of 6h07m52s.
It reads 7h53m58s
